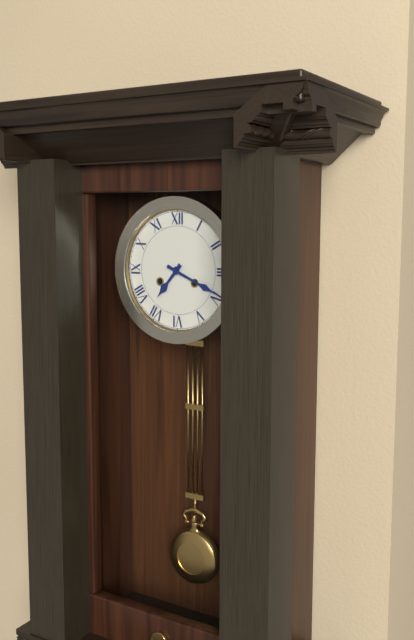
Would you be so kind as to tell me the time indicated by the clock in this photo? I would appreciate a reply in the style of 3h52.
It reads 7h19
